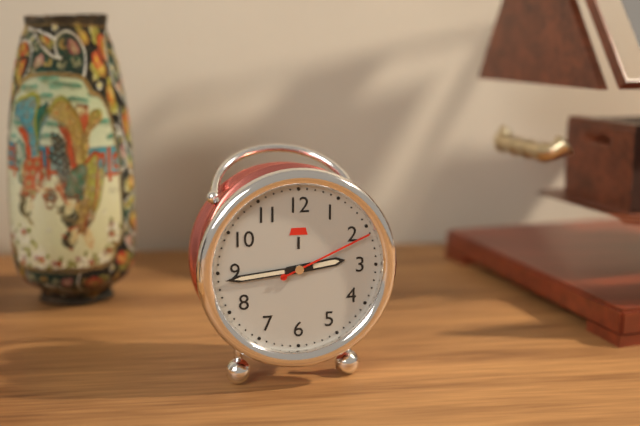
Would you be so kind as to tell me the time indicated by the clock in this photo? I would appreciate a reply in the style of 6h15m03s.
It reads 2h44m11s
